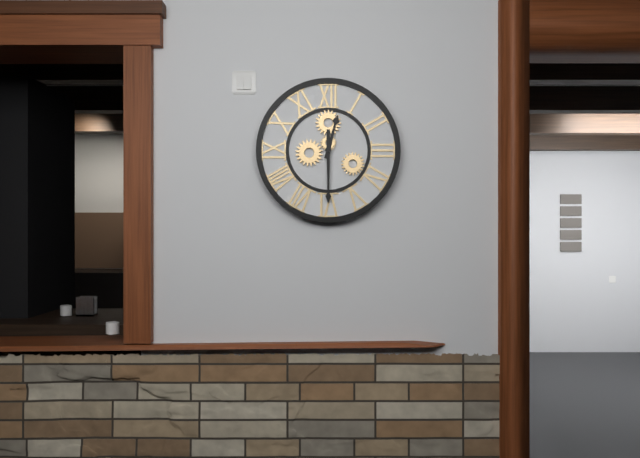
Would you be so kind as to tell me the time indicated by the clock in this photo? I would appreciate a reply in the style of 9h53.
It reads 12h30
